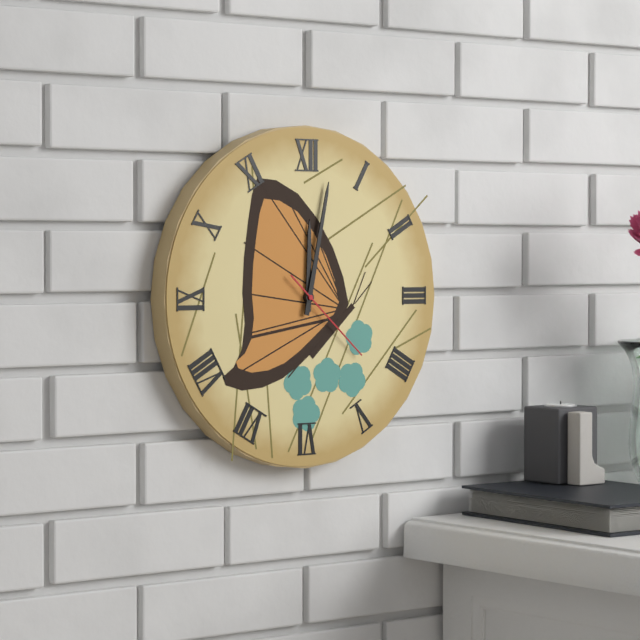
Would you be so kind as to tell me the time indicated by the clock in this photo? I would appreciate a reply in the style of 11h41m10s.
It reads 12h02m22s
